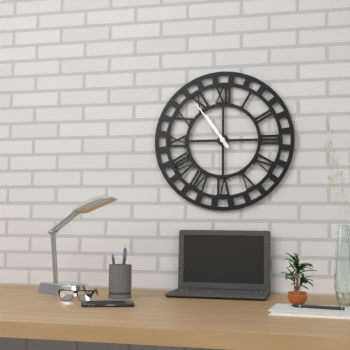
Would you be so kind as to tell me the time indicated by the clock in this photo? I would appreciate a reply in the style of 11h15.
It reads 10h54
